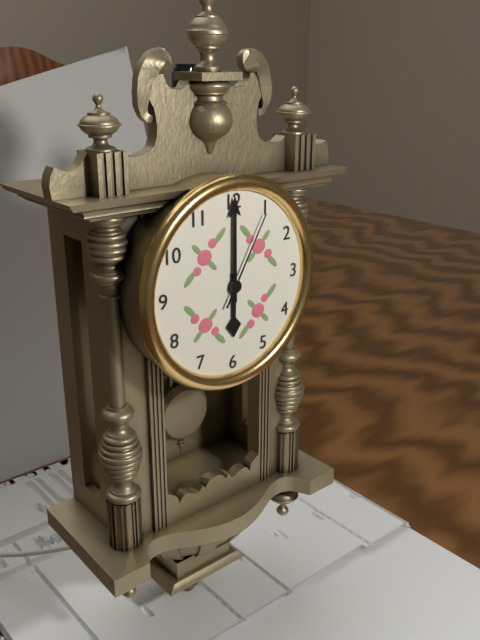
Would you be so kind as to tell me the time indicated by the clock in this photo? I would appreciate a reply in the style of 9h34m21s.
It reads 6h00m05s
